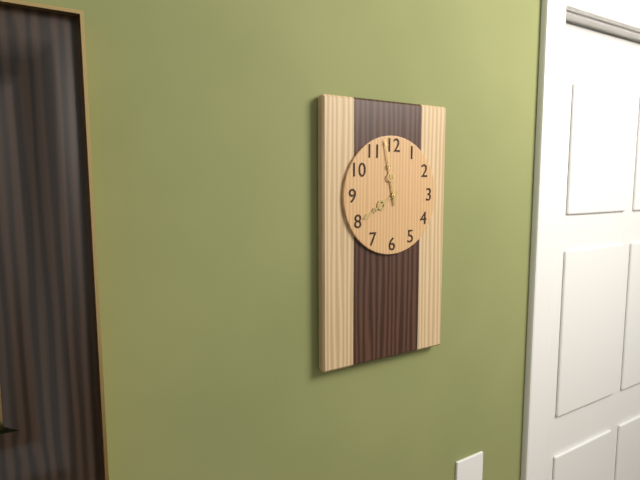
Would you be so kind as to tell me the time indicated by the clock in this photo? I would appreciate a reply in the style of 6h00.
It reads 7h58
